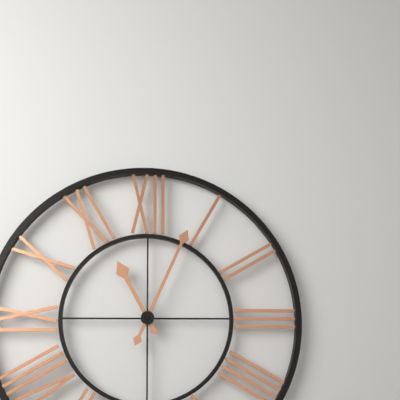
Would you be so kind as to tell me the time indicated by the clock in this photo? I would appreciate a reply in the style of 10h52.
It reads 11h04
